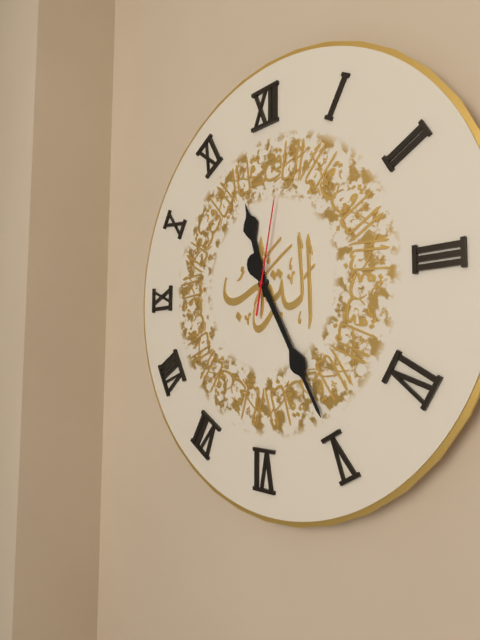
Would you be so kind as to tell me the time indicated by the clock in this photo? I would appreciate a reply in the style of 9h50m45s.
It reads 11h25m02s
